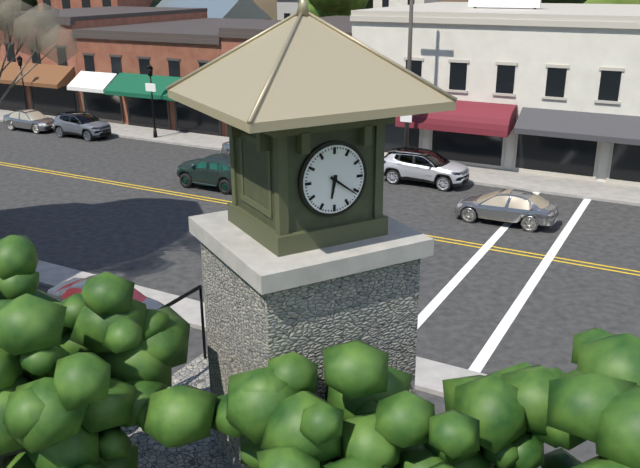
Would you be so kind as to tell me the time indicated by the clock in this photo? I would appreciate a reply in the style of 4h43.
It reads 6h21
